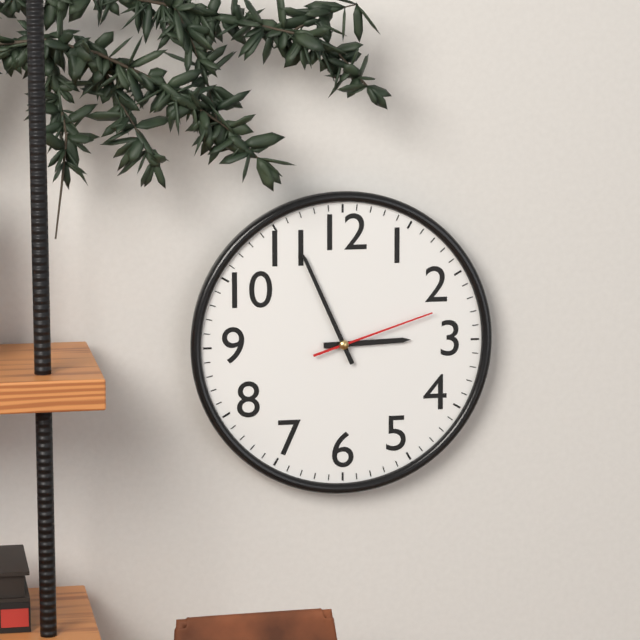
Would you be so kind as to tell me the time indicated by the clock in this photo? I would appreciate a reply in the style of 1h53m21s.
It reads 2h56m12s
